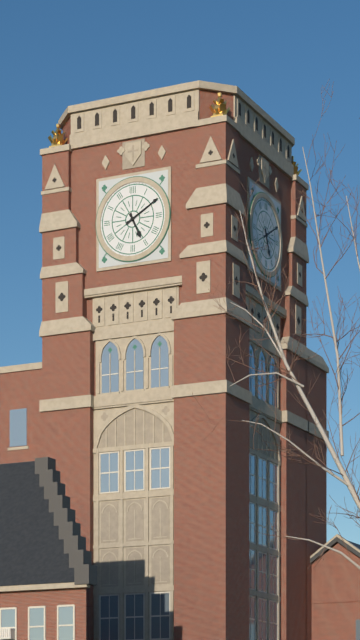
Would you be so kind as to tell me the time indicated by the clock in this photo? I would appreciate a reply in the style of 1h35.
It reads 5h10
